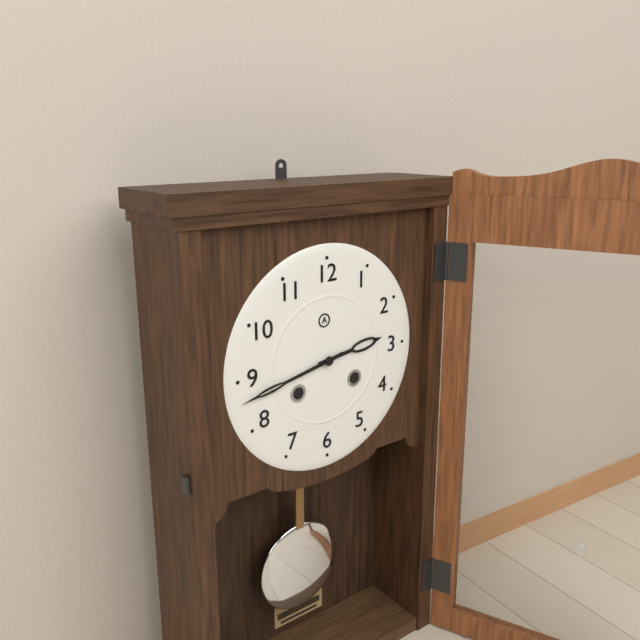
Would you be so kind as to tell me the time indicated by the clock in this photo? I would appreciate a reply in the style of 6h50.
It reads 2h43
